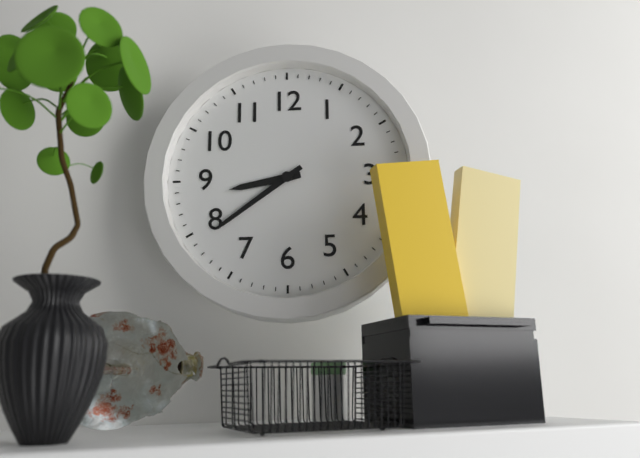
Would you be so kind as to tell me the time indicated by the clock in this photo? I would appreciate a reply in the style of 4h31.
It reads 8h39
